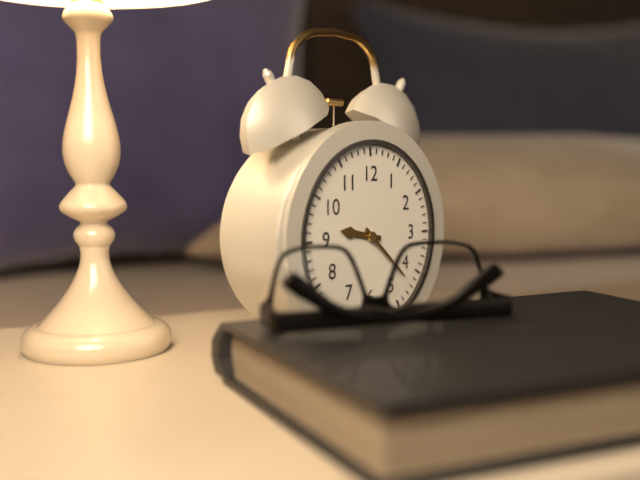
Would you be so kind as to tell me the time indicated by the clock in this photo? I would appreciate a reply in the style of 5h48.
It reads 9h22
